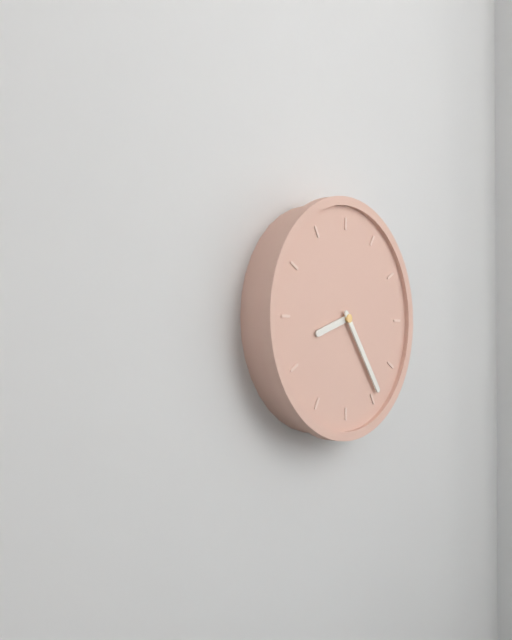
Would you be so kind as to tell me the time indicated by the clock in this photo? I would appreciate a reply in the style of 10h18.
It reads 8h24
